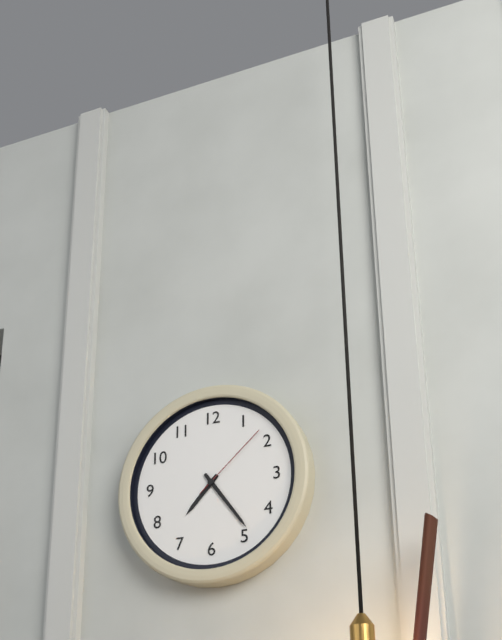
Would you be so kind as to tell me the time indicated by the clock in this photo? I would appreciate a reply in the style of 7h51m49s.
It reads 7h24m08s
